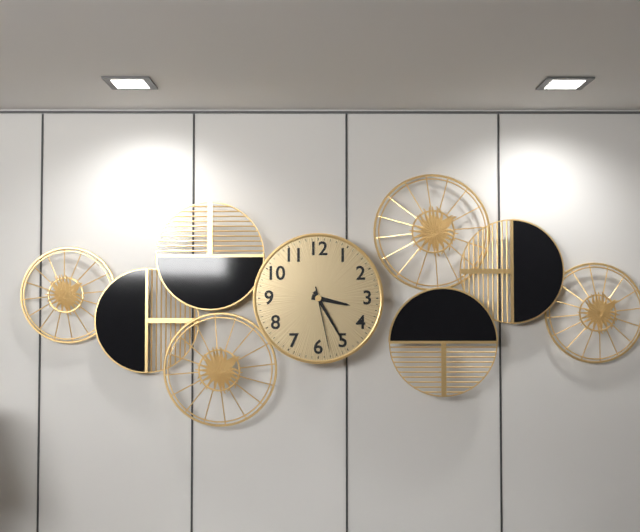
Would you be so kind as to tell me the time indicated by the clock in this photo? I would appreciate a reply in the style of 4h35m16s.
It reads 3h25m28s
